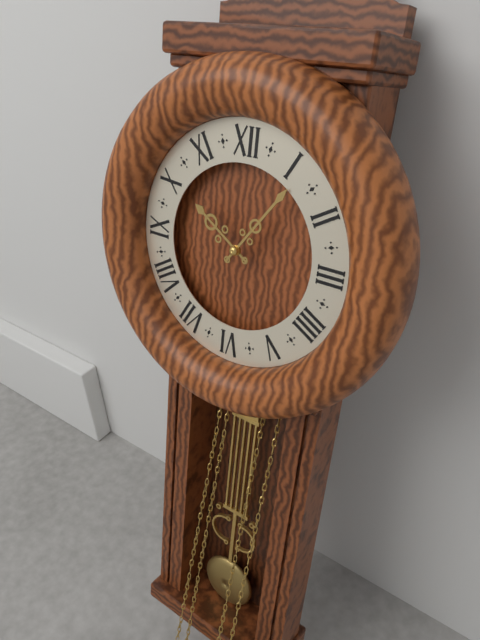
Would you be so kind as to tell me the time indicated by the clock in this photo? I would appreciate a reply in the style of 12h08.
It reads 10h06
